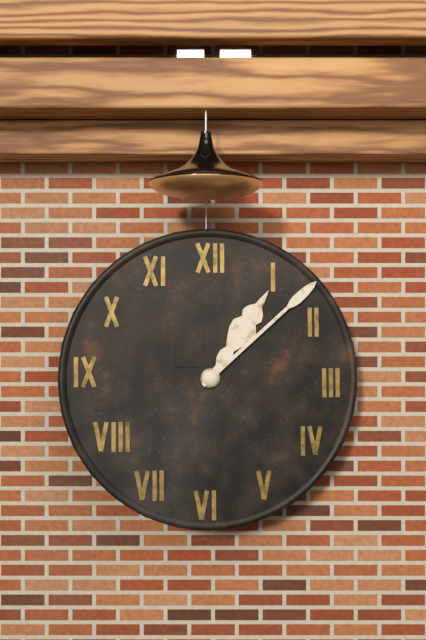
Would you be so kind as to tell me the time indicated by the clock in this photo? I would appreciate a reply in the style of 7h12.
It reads 1h08
